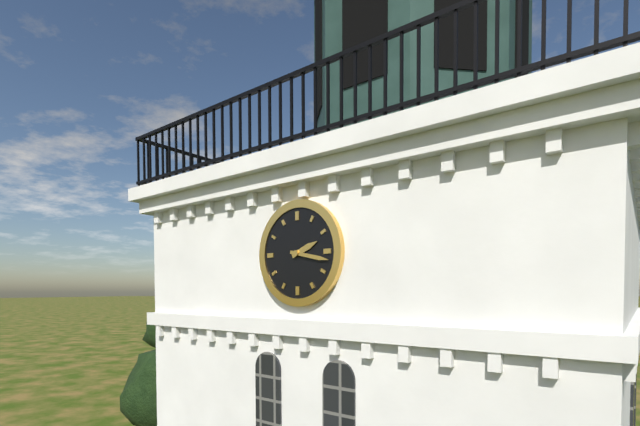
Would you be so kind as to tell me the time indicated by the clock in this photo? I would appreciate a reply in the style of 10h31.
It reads 2h17
